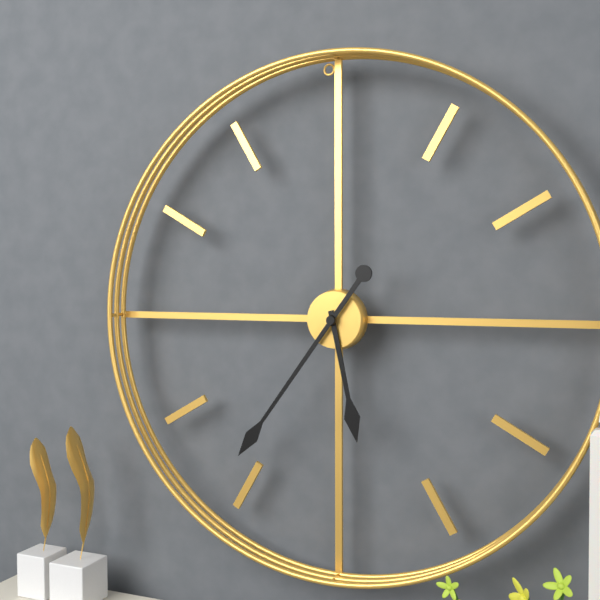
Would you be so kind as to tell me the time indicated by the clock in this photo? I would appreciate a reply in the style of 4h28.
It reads 5h36
